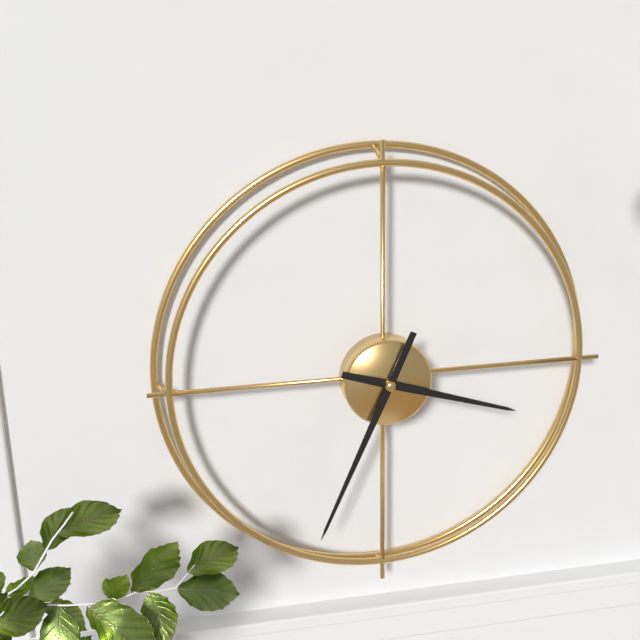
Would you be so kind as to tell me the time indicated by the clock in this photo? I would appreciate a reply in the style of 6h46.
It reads 3h34
